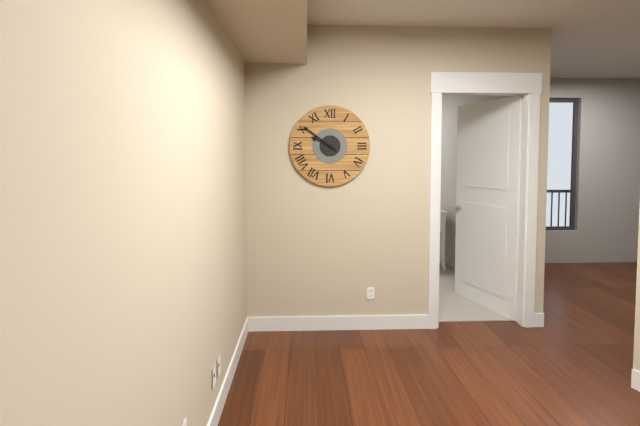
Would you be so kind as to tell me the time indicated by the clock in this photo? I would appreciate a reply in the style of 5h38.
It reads 9h51
